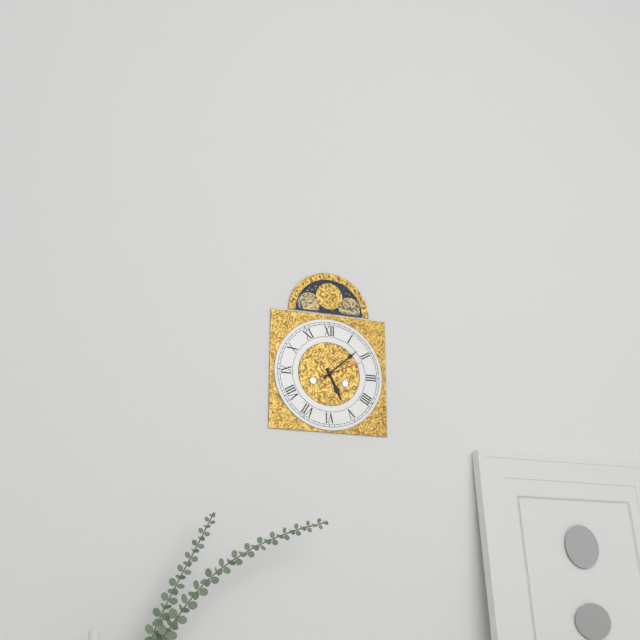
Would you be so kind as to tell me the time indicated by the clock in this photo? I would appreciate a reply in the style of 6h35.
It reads 5h08
